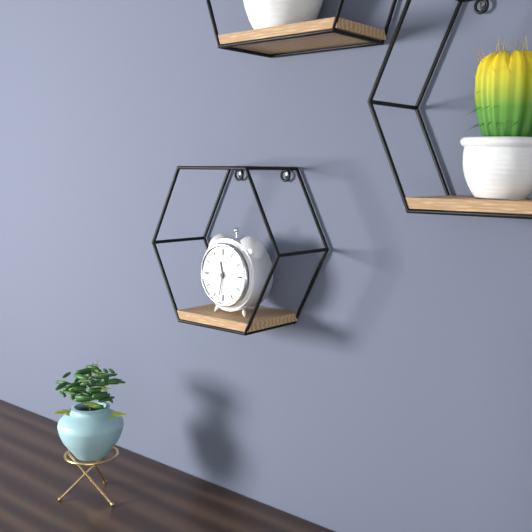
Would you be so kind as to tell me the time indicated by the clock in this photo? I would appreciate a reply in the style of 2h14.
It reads 11h32
